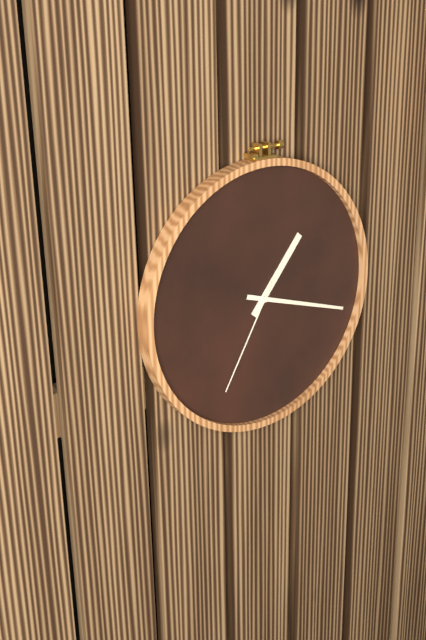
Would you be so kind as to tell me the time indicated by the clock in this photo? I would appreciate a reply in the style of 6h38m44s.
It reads 1h18m35s
